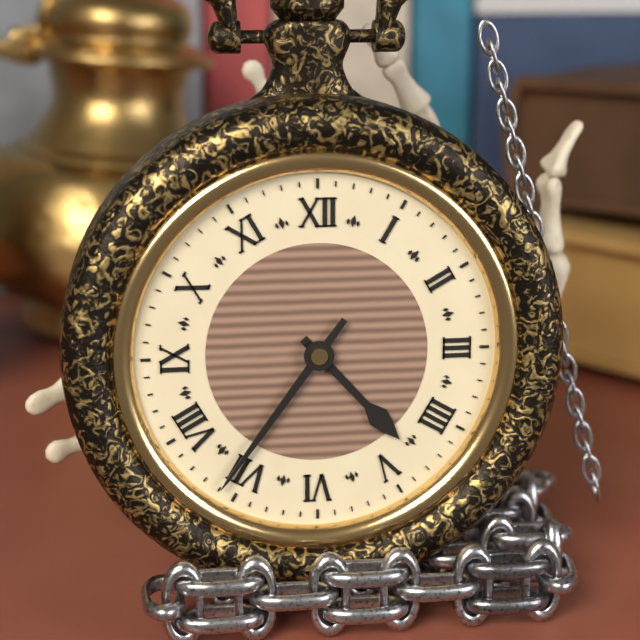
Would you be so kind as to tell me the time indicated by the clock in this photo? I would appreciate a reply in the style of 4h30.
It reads 4h36
